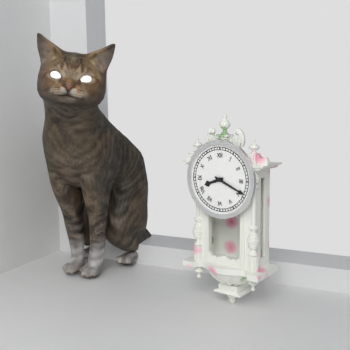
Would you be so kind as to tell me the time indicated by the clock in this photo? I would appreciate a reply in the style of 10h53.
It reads 8h19
